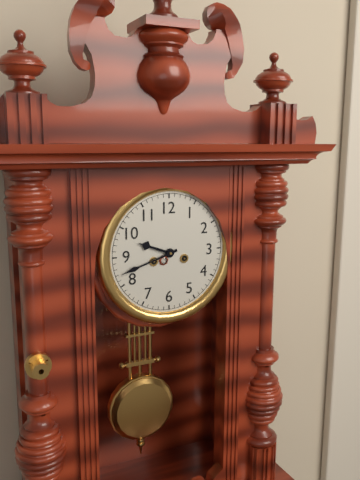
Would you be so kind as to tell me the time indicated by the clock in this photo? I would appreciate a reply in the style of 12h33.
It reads 9h42
